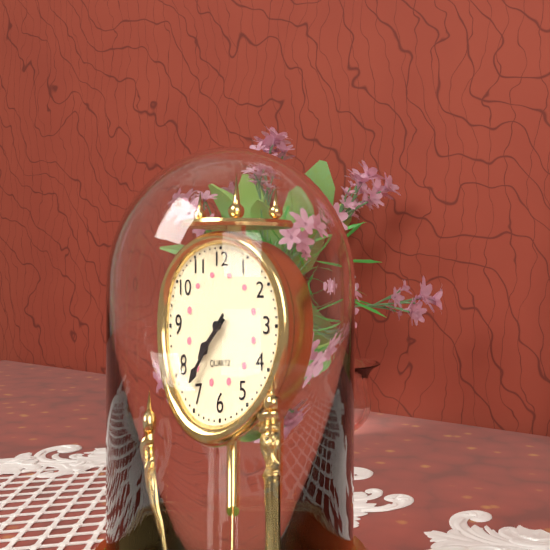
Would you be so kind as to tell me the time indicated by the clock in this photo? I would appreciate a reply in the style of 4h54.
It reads 7h37
